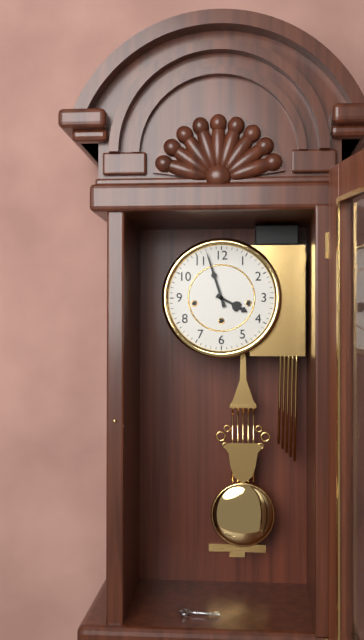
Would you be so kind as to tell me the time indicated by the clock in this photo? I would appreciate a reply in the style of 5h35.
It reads 3h57
